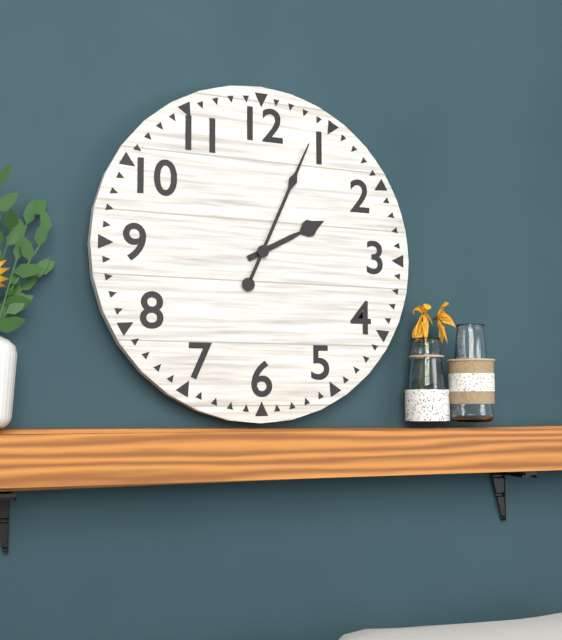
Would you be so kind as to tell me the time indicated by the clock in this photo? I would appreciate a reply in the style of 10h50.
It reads 2h04
